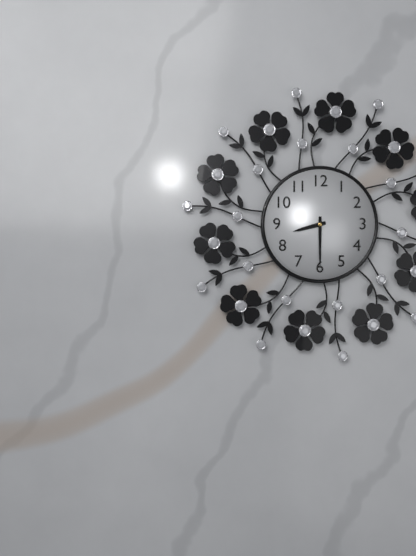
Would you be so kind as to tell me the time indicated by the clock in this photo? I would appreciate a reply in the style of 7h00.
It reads 8h30
